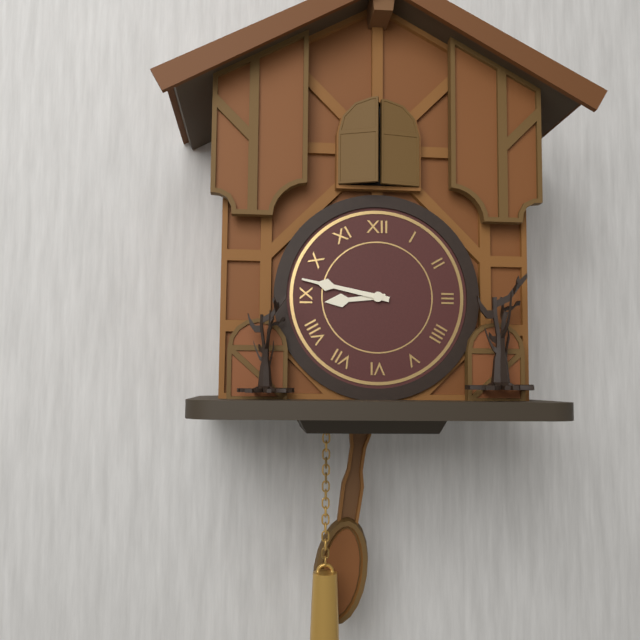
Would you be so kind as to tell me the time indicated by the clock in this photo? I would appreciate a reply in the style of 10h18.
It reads 8h47
